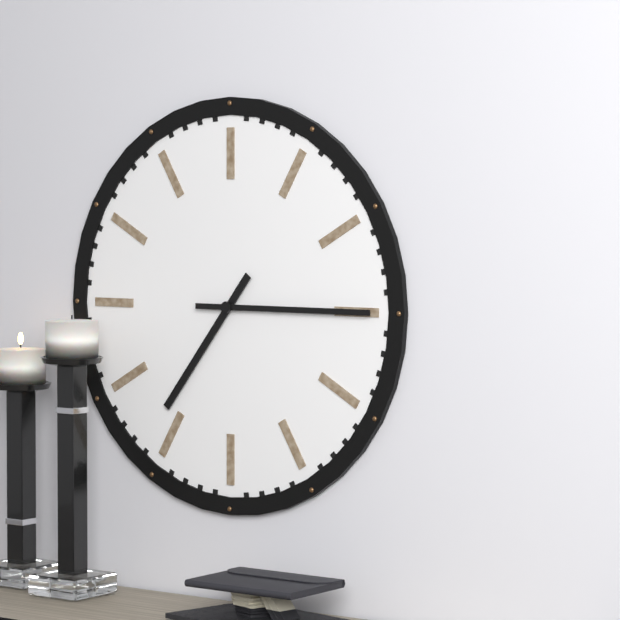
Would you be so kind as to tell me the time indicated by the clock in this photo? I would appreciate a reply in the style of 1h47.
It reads 7h15
